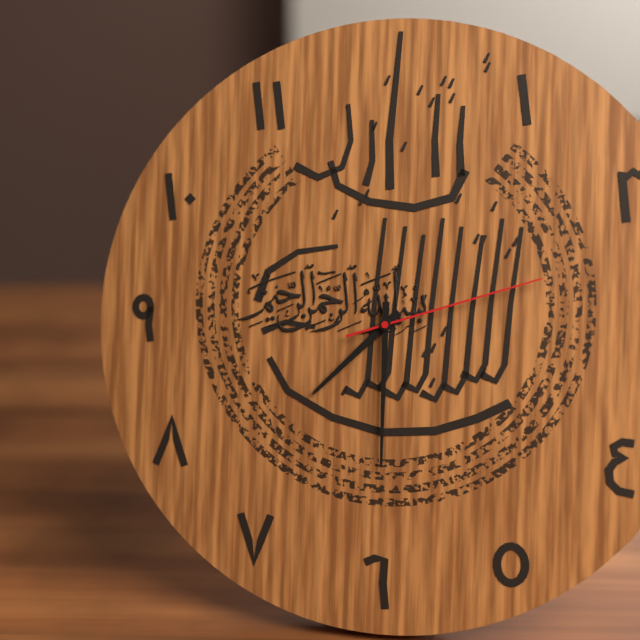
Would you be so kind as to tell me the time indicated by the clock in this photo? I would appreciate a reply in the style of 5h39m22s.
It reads 7h30m12s
